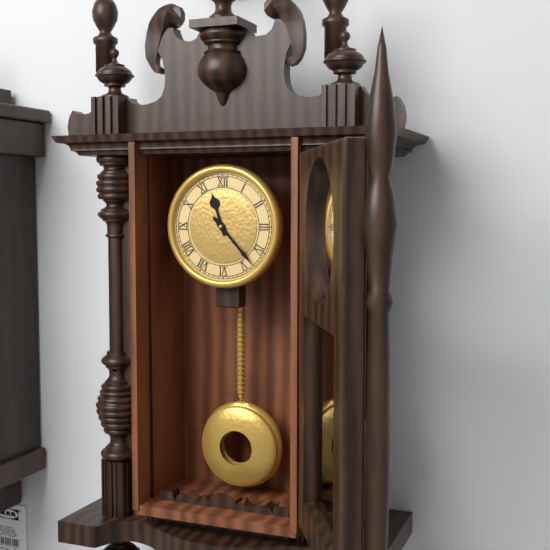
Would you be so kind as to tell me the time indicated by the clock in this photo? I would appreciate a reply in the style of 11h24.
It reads 11h23
